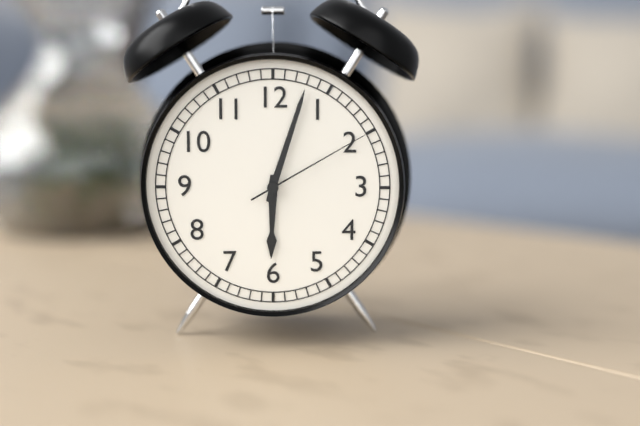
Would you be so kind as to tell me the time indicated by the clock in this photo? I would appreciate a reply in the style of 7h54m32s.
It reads 6h03m10s
